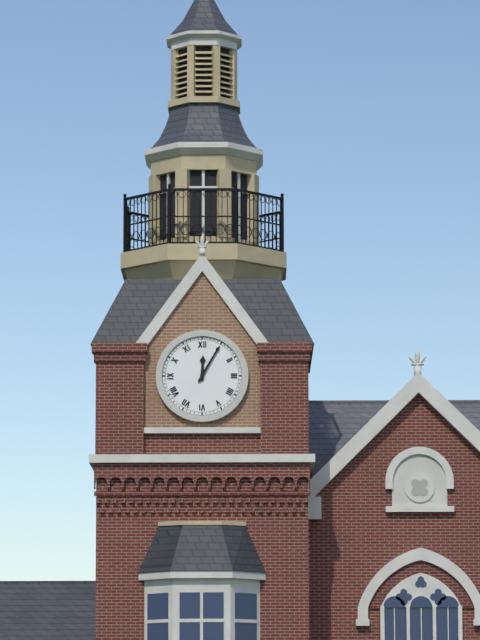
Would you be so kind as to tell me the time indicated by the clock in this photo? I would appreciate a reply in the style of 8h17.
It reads 12h05
